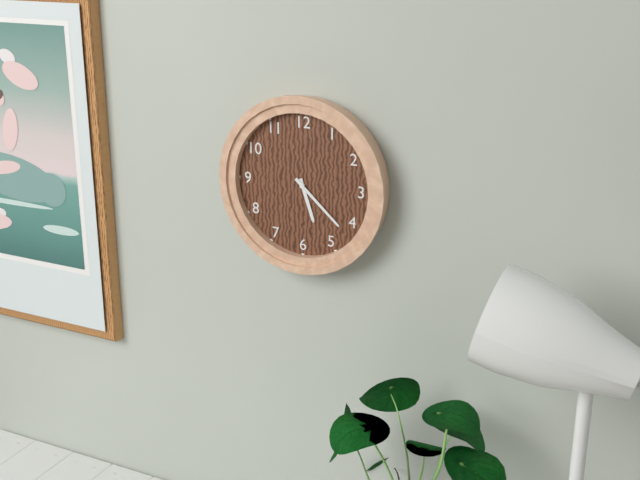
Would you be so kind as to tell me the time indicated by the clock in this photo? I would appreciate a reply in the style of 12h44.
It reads 5h22
